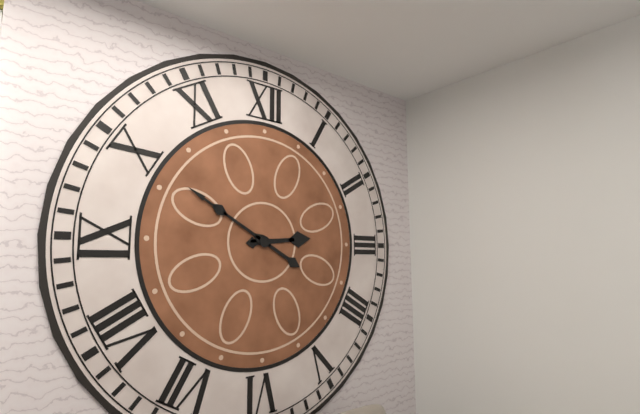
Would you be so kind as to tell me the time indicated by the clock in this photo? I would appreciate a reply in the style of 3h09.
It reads 2h50
